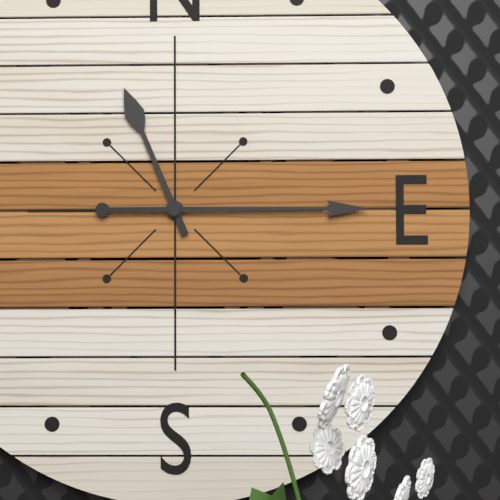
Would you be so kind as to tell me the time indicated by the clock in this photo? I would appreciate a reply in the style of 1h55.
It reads 11h15
